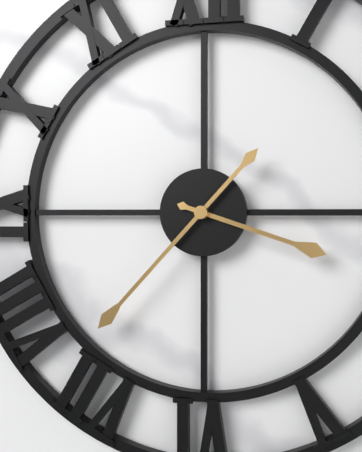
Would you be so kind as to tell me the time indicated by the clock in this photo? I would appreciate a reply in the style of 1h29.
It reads 3h37
